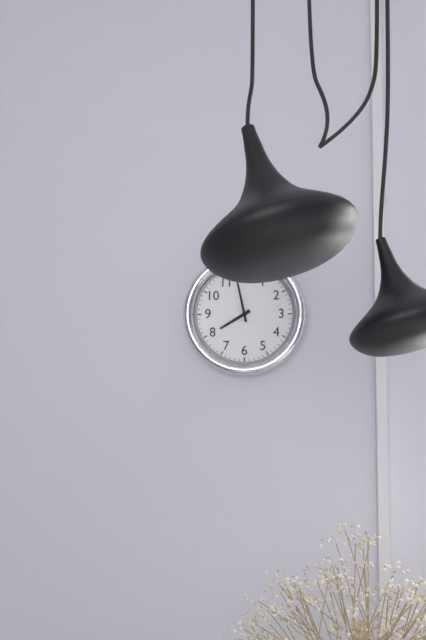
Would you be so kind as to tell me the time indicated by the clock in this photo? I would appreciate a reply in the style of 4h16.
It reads 7h58
